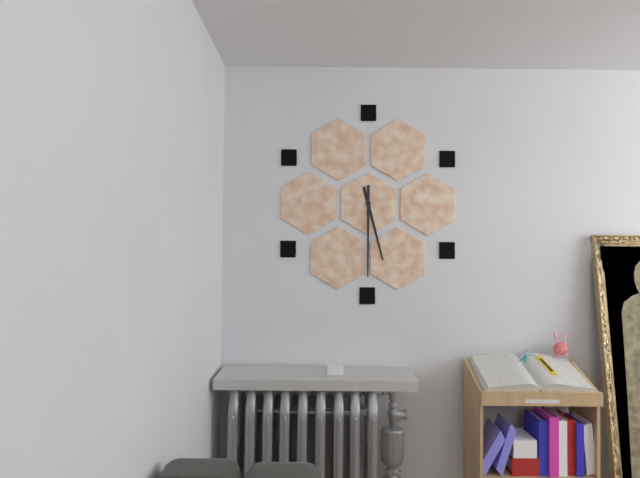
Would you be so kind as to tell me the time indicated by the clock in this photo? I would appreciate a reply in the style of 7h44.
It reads 5h30
